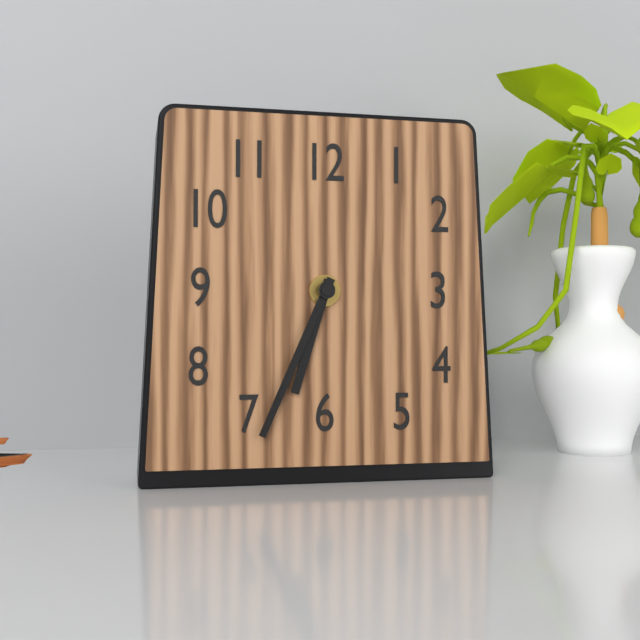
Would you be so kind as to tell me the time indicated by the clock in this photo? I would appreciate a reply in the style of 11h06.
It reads 6h34
